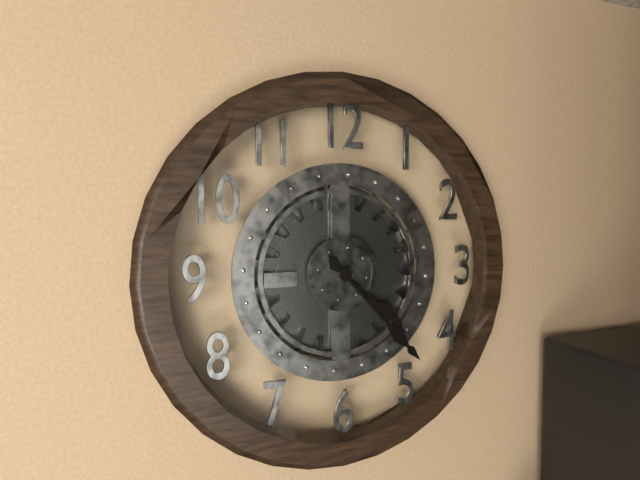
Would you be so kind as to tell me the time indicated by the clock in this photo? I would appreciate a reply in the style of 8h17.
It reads 4h23
